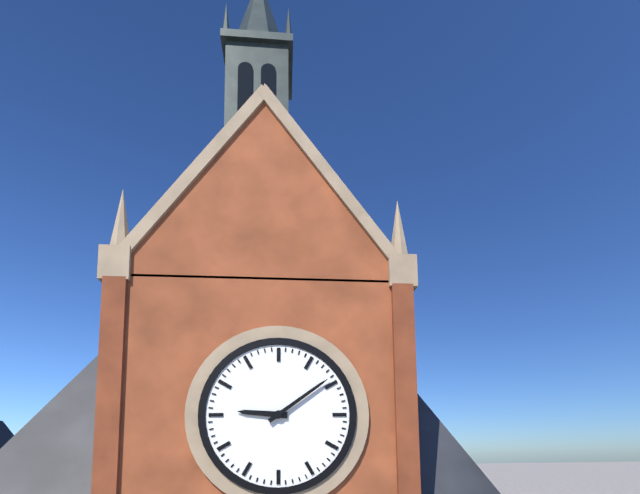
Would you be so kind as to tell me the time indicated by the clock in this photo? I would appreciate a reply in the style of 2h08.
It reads 9h09
